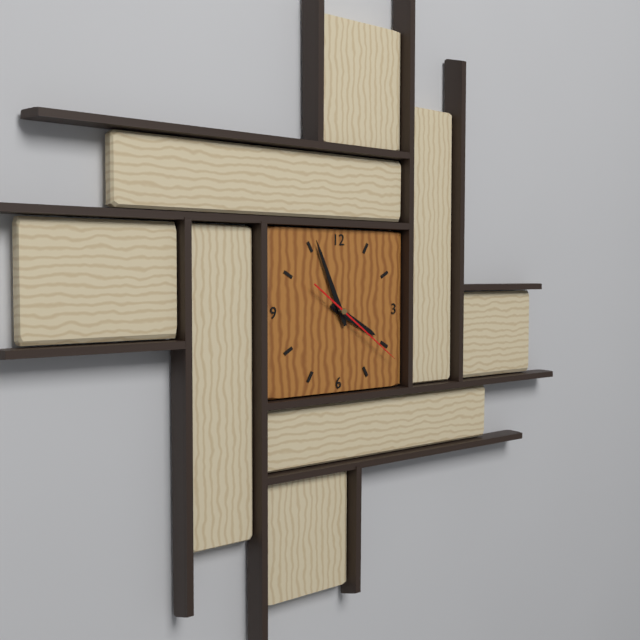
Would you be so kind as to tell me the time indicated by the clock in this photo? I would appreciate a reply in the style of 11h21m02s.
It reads 3h56m21s
